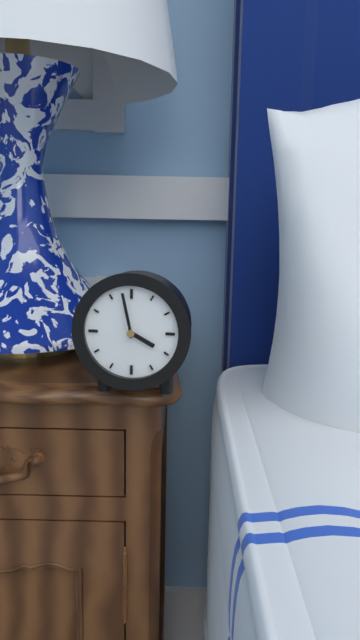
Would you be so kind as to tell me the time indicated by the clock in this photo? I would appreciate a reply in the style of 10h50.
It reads 3h58
